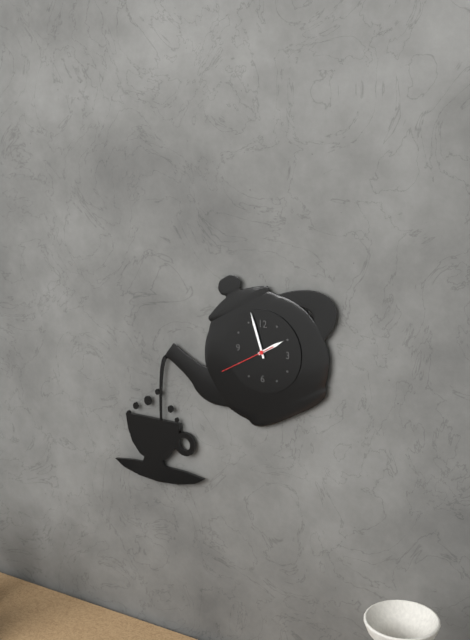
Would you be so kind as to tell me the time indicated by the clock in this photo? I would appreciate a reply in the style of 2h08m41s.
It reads 1h57m40s
